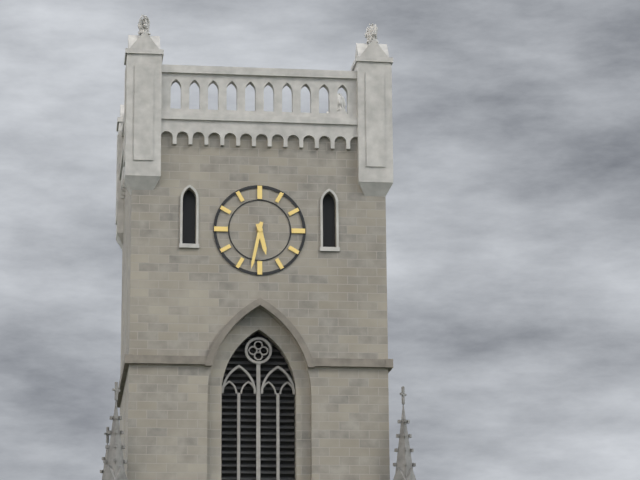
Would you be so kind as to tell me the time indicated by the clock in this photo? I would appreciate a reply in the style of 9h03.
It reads 5h32
